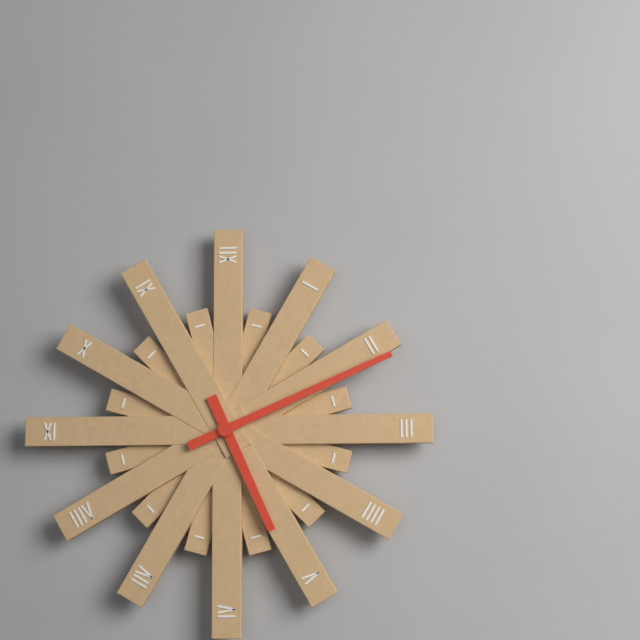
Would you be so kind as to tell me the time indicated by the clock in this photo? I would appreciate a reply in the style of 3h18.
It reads 5h11
